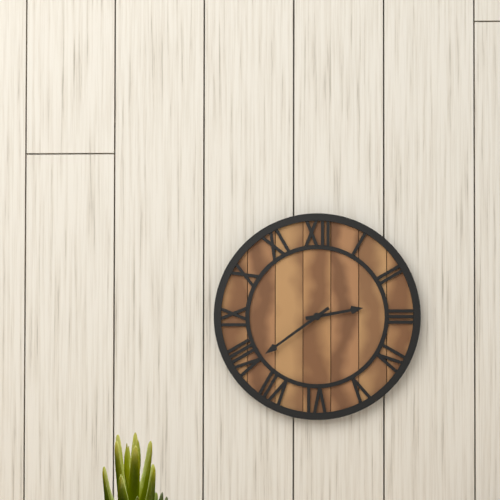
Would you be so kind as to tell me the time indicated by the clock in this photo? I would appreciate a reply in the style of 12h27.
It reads 2h39
